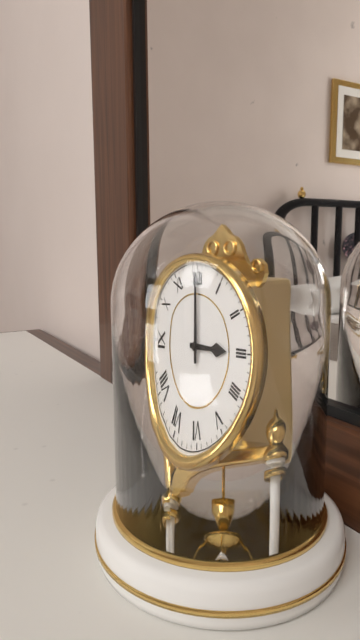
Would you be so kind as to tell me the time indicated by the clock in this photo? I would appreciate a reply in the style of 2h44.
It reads 3h00
